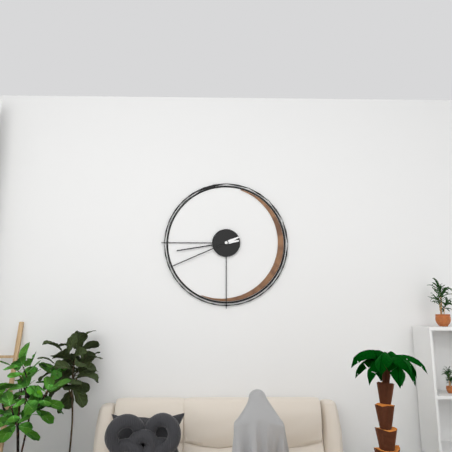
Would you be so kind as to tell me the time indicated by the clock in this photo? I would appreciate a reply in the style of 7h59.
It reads 8h41
